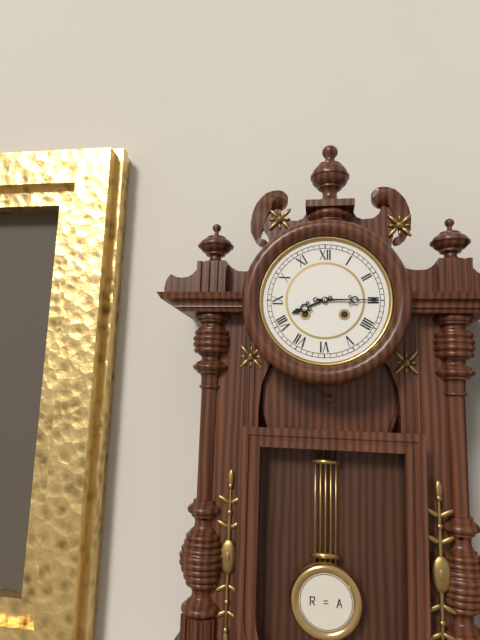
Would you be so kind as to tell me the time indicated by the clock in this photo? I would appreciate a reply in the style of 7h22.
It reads 8h15
